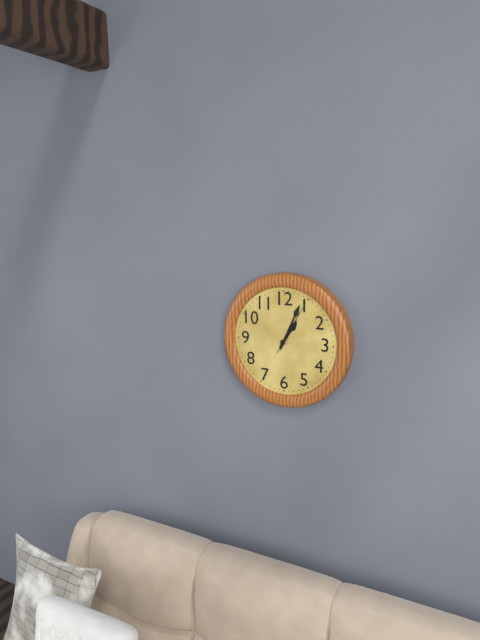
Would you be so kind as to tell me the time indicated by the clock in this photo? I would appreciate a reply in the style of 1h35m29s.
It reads 1h04m05s
